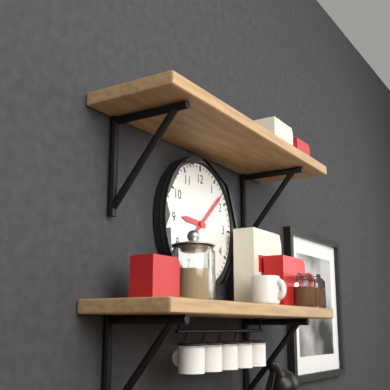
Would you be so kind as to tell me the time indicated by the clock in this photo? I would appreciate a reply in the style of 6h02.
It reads 9h08
